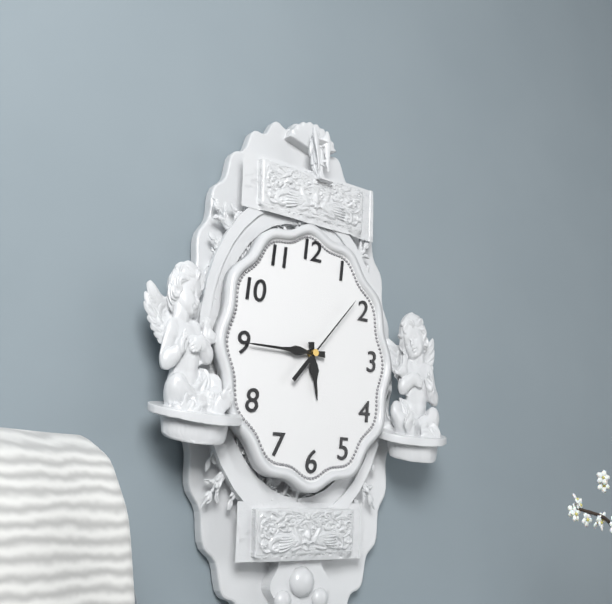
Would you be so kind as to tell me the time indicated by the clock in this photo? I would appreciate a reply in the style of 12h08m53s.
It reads 5h45m07s
